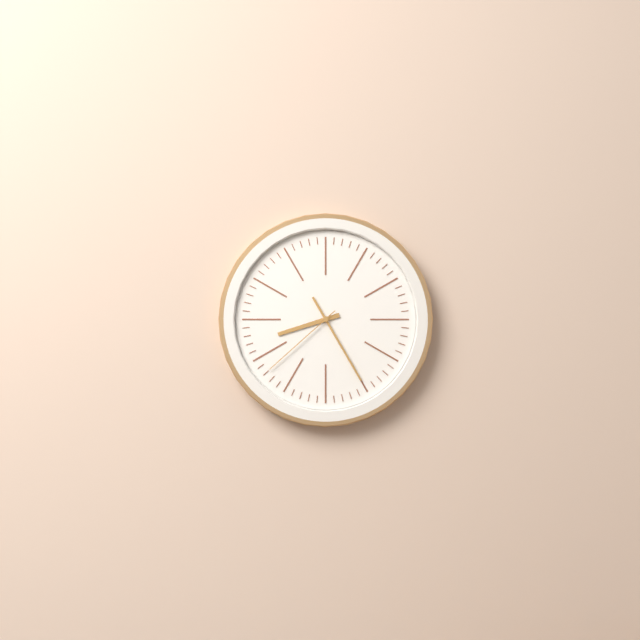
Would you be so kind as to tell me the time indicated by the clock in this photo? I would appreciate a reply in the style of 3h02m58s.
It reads 8h25m38s
